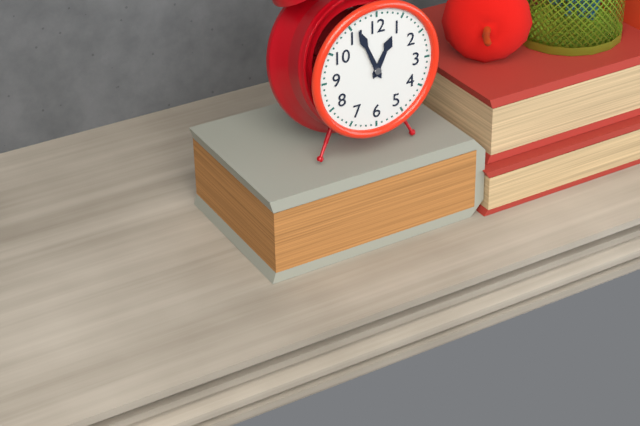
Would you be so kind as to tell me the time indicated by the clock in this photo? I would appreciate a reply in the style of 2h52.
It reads 12h56
